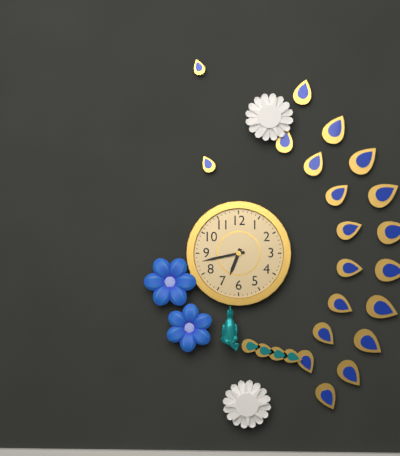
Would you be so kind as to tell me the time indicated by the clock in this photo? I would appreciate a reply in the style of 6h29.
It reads 6h43
